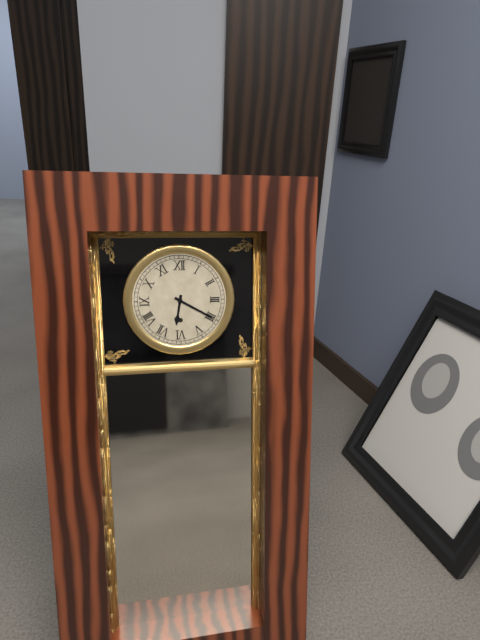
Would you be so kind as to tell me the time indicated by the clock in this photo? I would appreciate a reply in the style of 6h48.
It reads 6h20
